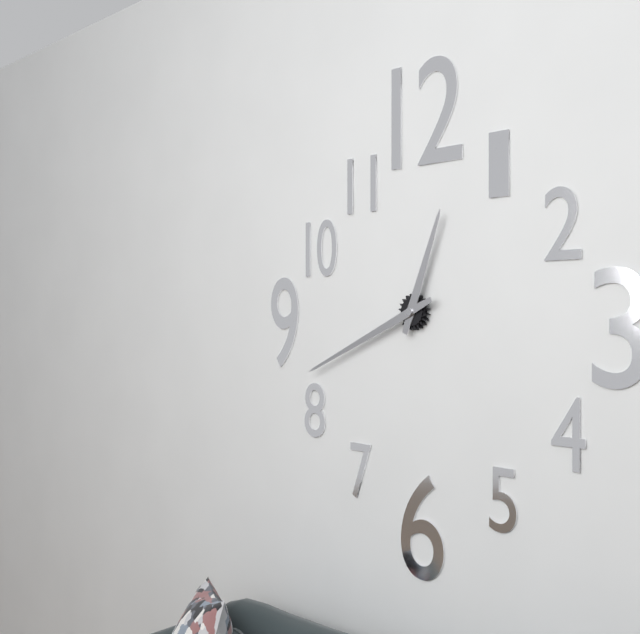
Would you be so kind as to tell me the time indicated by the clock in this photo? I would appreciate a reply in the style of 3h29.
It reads 12h41
